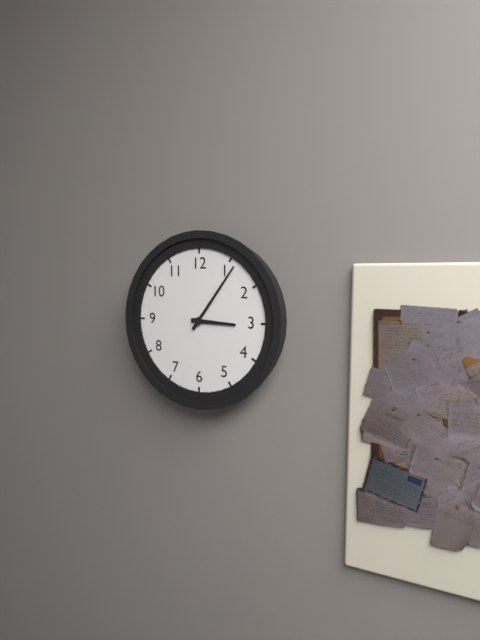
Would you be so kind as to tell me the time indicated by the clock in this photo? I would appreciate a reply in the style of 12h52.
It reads 3h06
